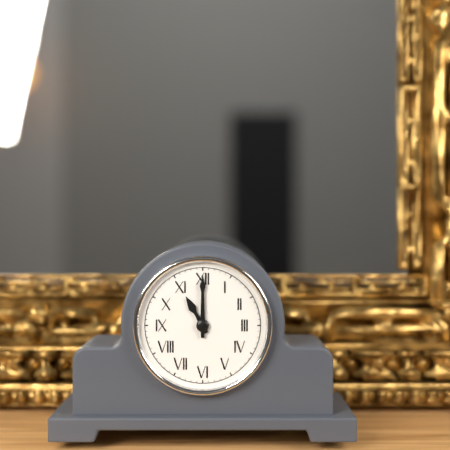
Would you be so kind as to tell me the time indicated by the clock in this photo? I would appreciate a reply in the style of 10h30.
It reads 11h00
